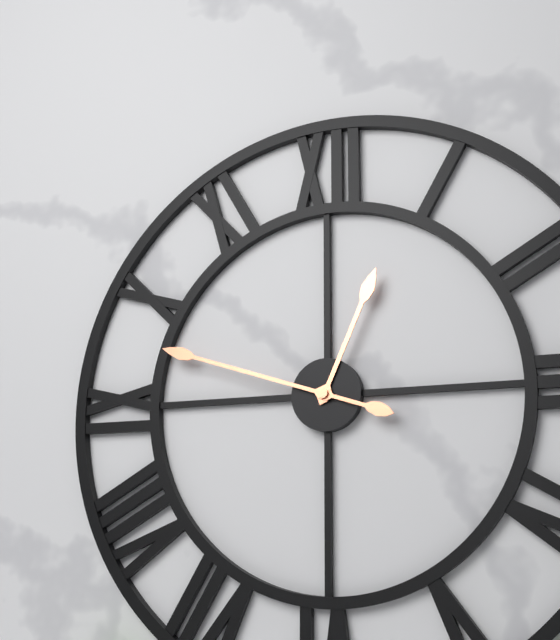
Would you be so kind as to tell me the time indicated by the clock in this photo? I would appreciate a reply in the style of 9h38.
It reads 12h48
